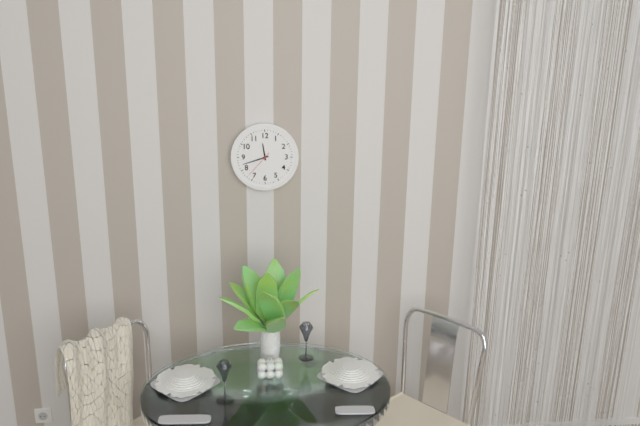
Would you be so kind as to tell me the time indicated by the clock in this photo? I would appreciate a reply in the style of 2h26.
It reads 11h42
